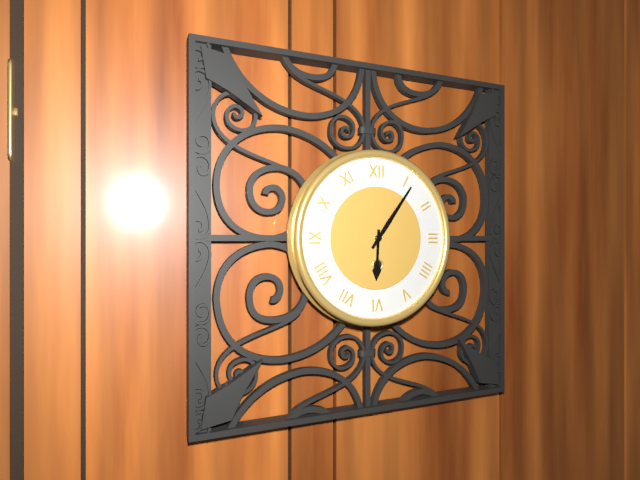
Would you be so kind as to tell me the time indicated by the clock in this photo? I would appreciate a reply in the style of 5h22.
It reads 6h06
